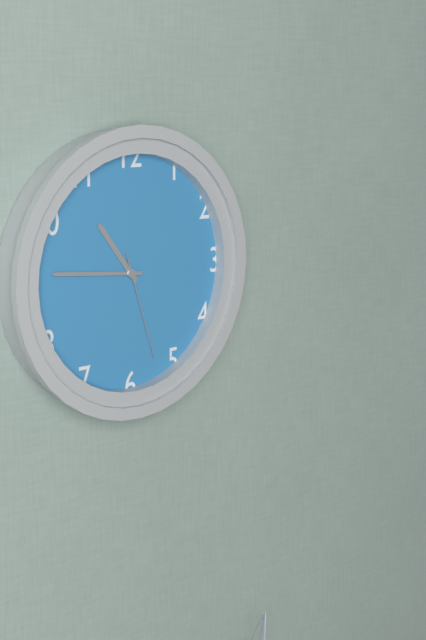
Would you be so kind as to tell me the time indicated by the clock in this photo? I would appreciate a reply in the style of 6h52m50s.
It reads 10h46m27s
